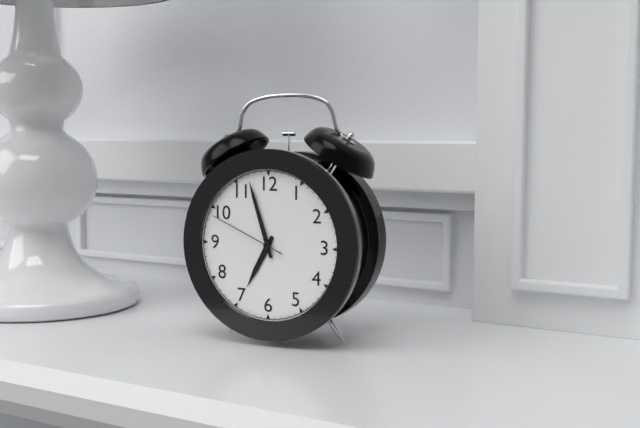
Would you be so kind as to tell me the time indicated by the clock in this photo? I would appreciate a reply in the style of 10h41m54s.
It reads 6h57m49s
